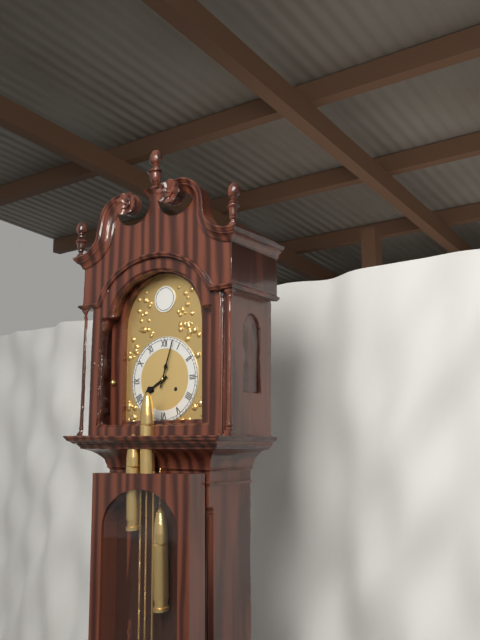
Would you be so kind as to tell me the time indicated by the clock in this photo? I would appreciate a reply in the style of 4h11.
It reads 8h03
